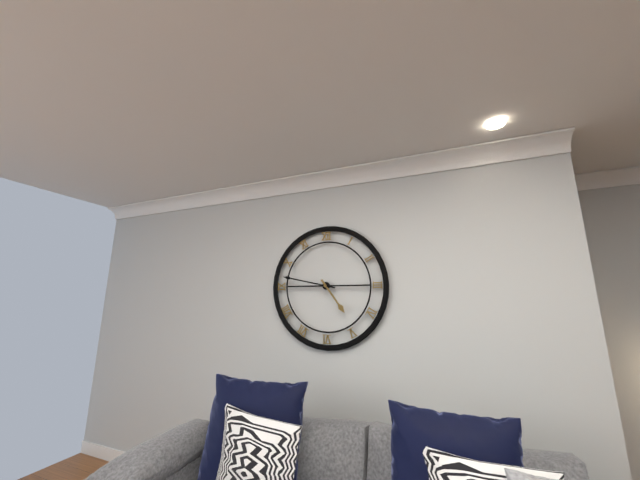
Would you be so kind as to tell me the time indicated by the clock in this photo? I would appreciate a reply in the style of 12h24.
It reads 4h47
